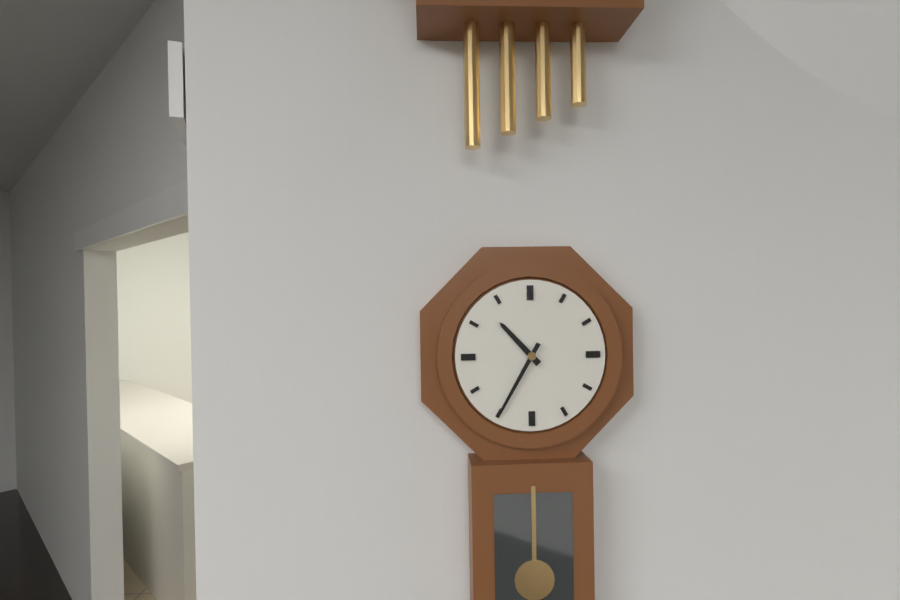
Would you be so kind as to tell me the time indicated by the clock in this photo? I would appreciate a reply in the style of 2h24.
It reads 10h35
